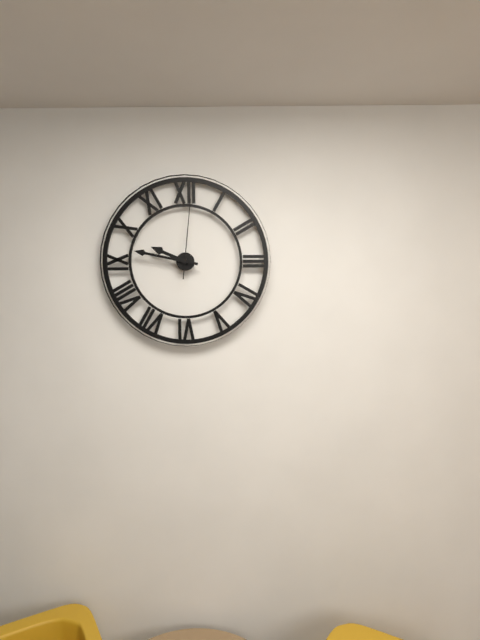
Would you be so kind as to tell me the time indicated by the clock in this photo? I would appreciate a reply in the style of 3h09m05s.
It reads 9h47m01s
